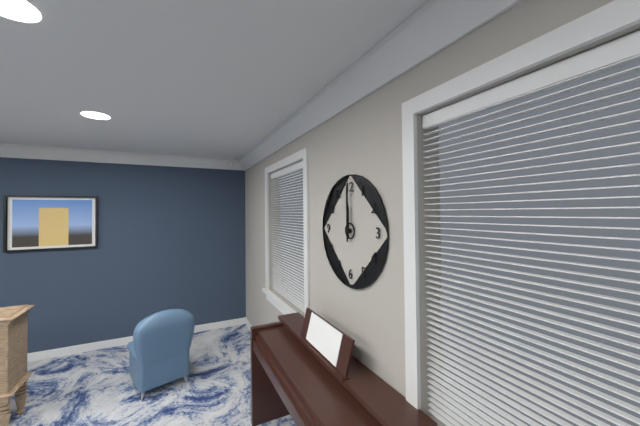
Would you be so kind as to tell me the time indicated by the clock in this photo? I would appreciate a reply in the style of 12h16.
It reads 12h00
